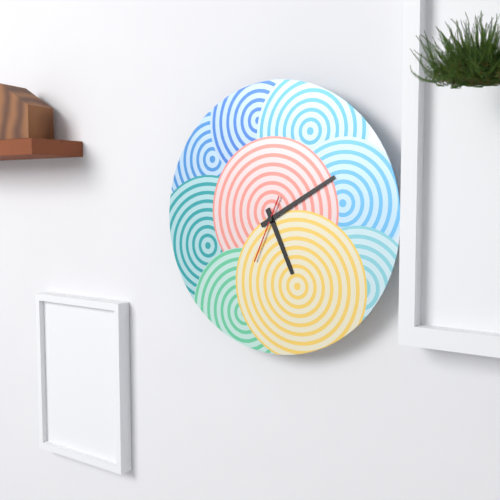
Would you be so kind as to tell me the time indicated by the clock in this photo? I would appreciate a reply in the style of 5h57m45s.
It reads 5h10m34s
